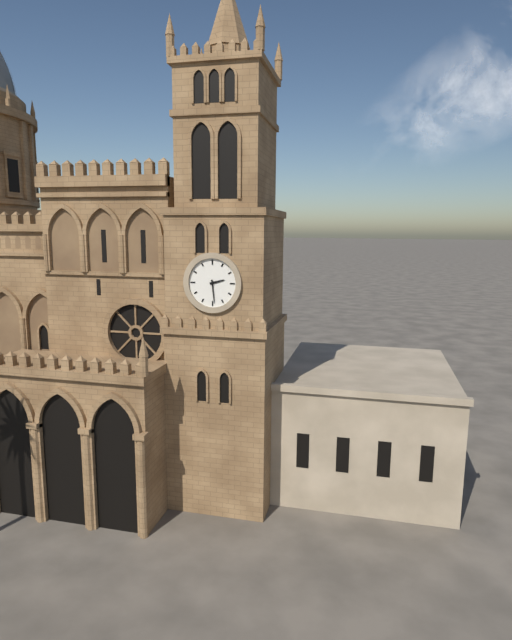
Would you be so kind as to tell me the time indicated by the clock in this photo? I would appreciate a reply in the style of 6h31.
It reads 2h29
